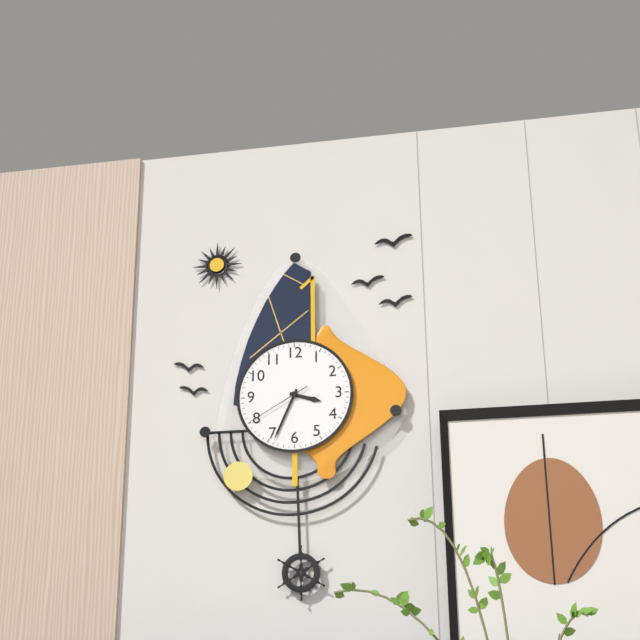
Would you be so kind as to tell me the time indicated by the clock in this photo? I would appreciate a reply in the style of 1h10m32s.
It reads 3h34m40s
